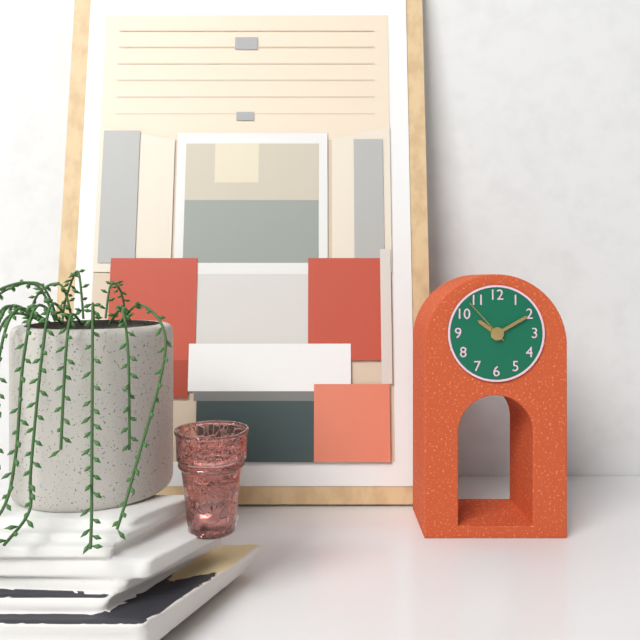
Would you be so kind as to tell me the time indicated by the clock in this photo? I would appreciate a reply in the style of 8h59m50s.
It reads 10h10m53s
